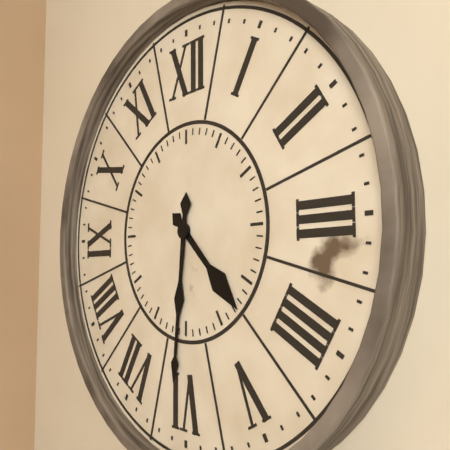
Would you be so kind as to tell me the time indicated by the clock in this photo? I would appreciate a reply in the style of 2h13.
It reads 4h31
